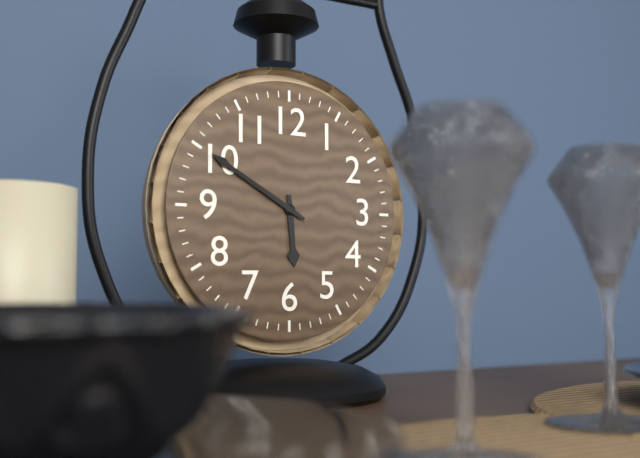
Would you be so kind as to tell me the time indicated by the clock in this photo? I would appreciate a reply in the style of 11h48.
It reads 5h50
